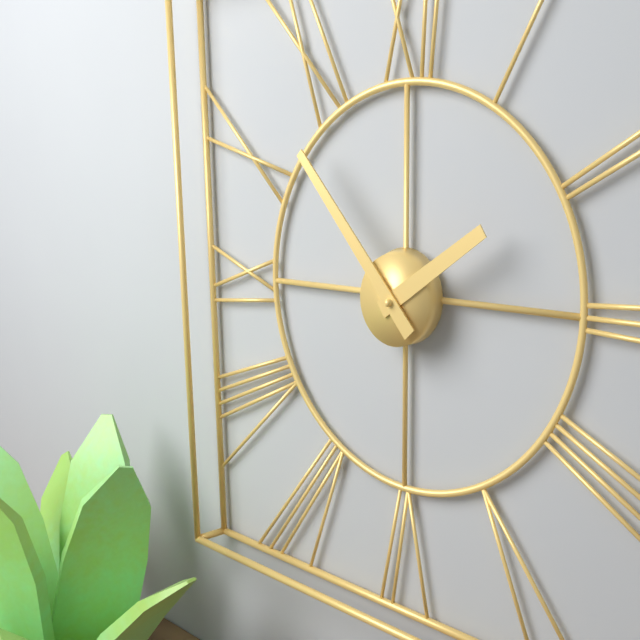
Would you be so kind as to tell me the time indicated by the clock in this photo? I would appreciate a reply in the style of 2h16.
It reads 1h53
